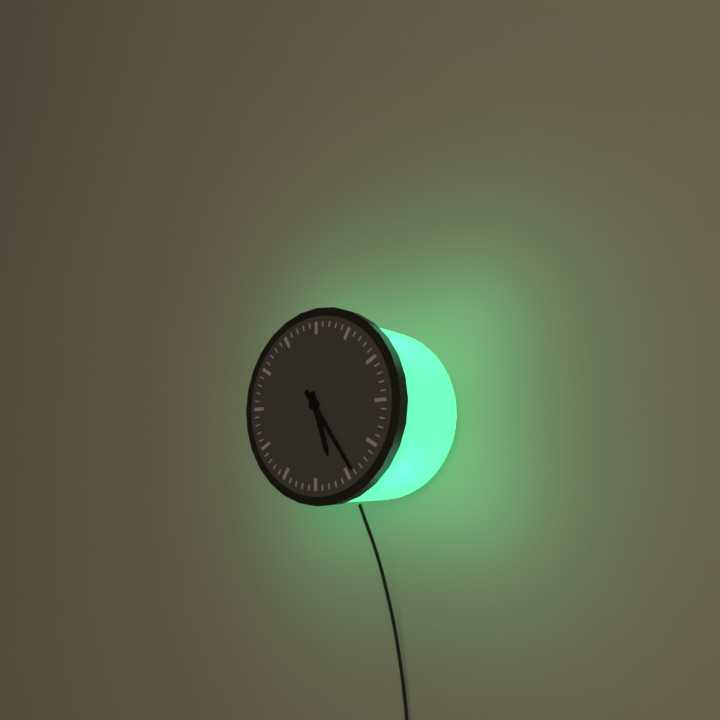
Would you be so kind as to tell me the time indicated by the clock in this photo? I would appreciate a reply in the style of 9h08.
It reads 5h24
